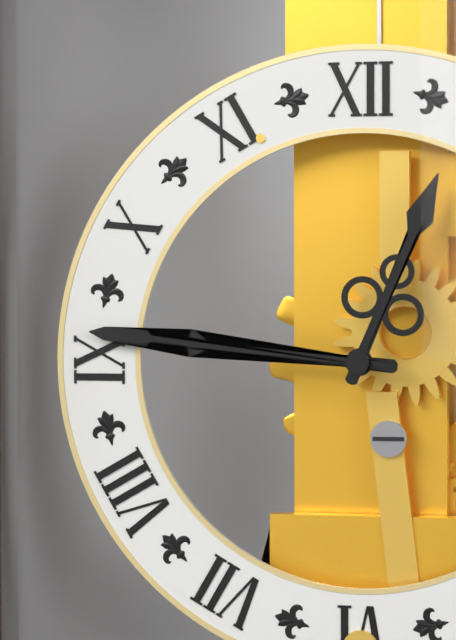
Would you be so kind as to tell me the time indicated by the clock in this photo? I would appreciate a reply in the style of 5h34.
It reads 12h46
